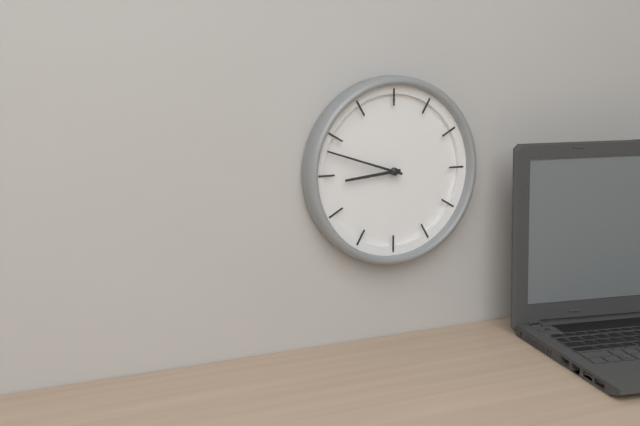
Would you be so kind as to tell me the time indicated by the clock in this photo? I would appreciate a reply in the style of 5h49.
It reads 8h48
